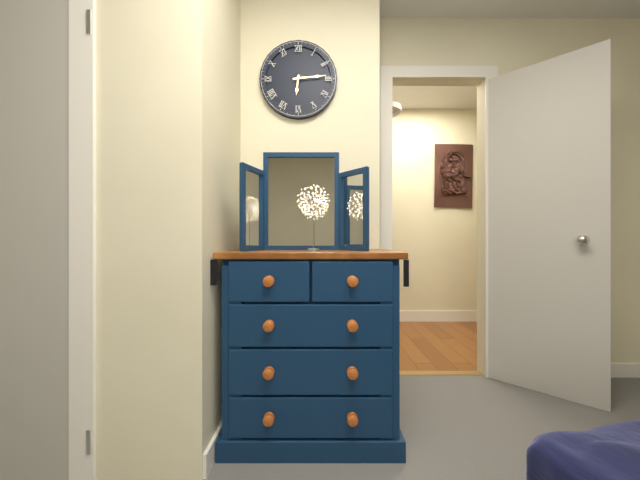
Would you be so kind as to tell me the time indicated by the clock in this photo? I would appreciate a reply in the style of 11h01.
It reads 6h14
